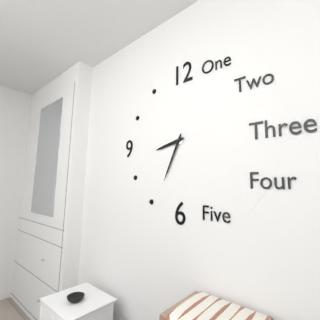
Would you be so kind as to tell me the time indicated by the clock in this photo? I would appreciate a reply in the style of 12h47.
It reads 8h34
